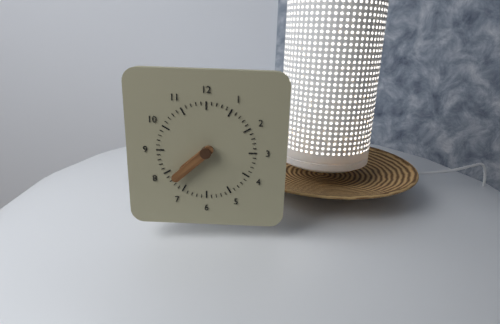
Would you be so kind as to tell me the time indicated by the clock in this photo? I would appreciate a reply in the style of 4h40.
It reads 7h38
